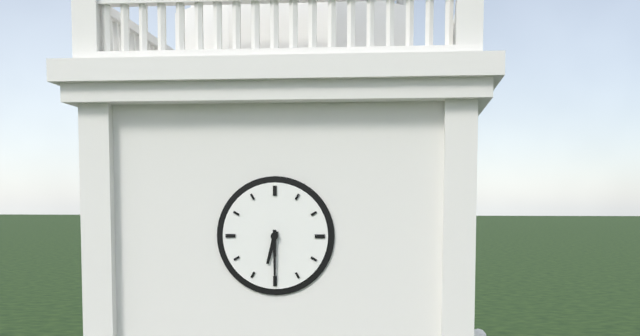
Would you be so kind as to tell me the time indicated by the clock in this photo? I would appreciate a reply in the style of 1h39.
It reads 6h30
